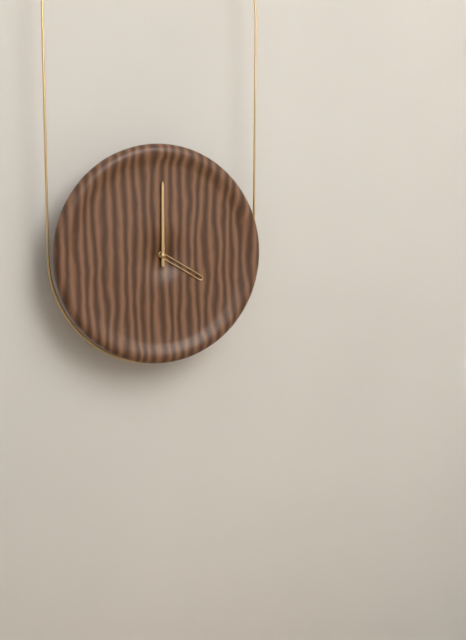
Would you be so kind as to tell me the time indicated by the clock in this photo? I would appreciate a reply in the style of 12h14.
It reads 4h00
